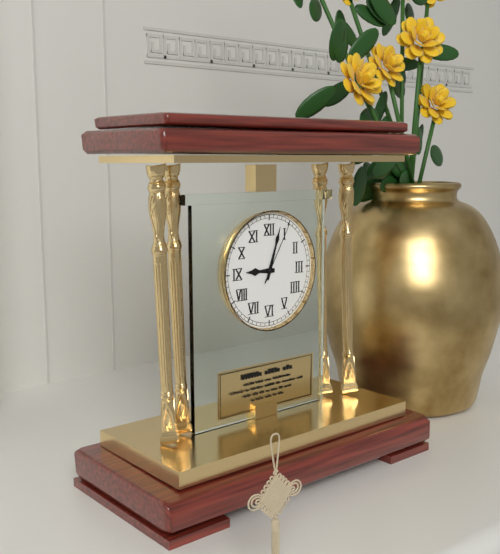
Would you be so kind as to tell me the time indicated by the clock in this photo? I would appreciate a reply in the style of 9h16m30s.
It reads 9h03m05s
